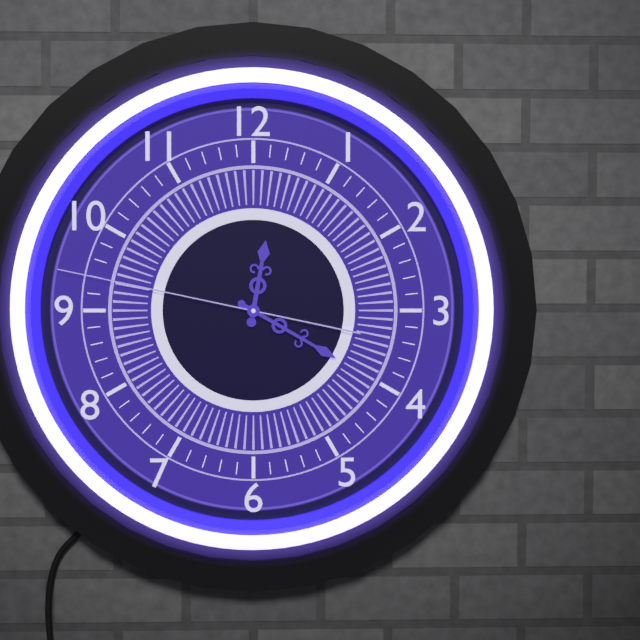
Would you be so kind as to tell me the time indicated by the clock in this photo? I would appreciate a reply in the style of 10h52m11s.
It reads 12h20m47s
